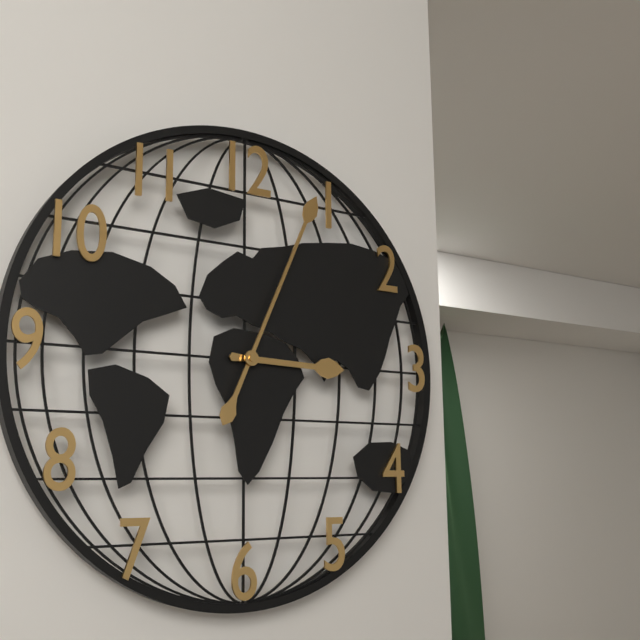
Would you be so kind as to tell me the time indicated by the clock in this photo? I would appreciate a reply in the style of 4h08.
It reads 3h04
